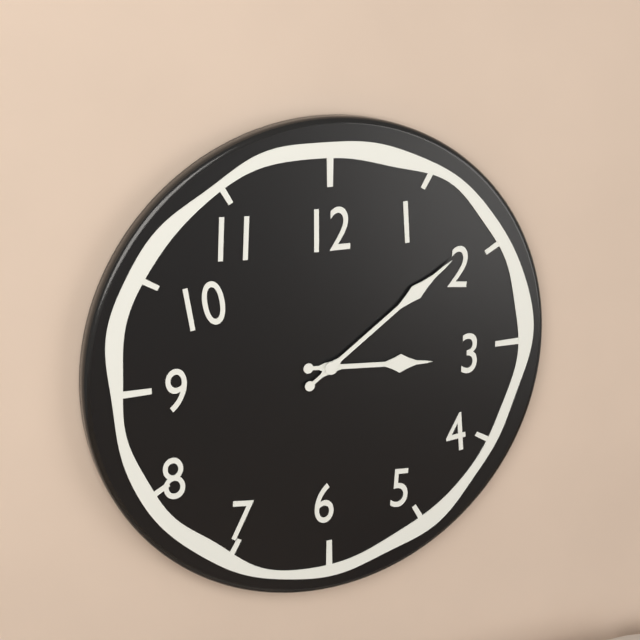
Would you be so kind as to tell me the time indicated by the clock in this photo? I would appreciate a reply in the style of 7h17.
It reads 3h09
